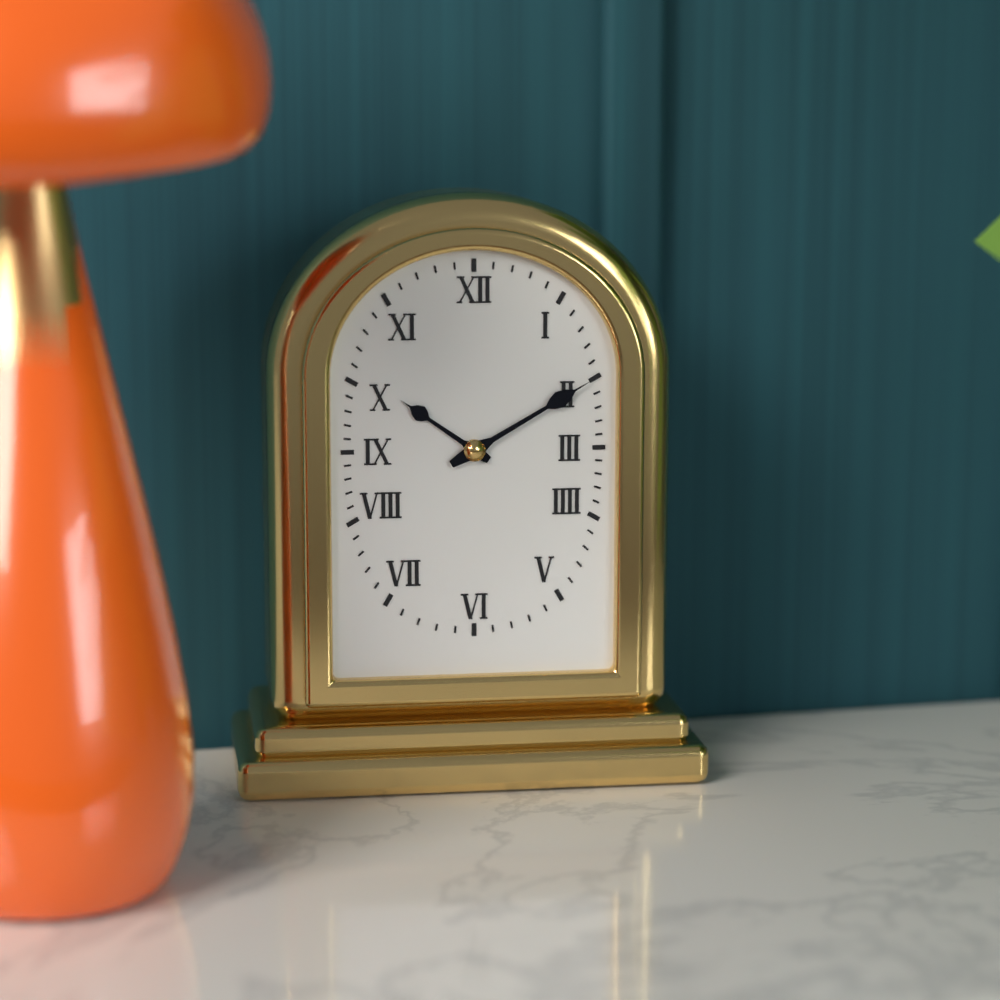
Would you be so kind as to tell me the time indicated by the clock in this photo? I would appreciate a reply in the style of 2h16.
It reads 10h10
